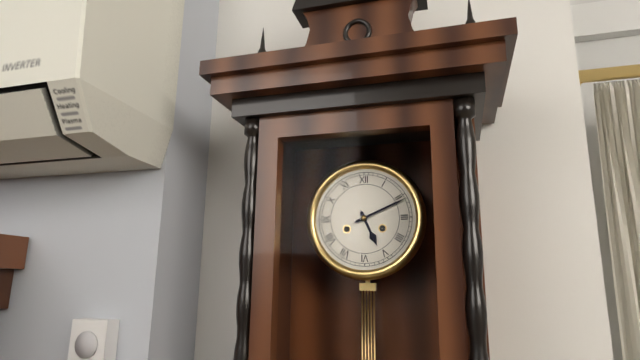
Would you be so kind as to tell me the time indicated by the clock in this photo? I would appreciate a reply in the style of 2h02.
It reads 5h11
